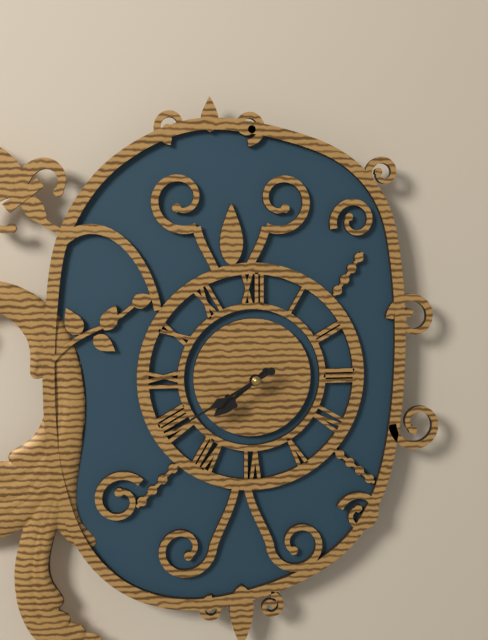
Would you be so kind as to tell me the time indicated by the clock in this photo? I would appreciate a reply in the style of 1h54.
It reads 7h40
